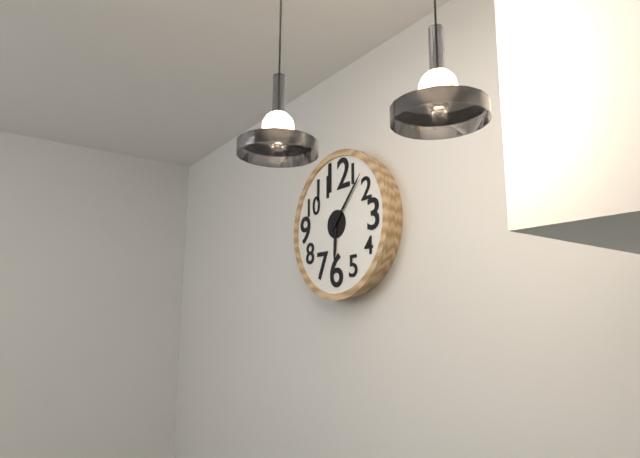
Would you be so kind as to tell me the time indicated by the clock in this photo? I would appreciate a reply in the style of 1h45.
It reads 6h07
